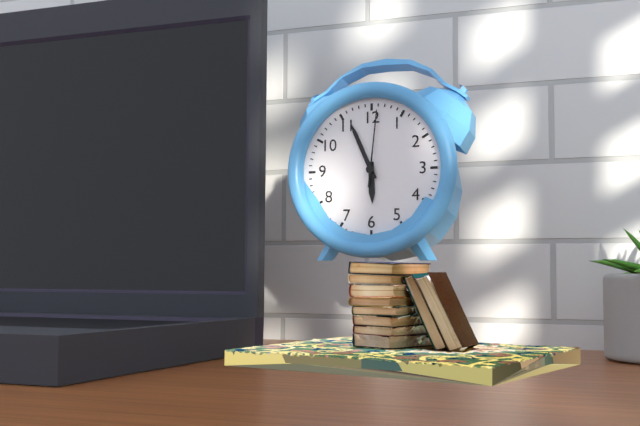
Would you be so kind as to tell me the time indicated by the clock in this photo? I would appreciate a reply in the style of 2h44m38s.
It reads 5h56m01s
